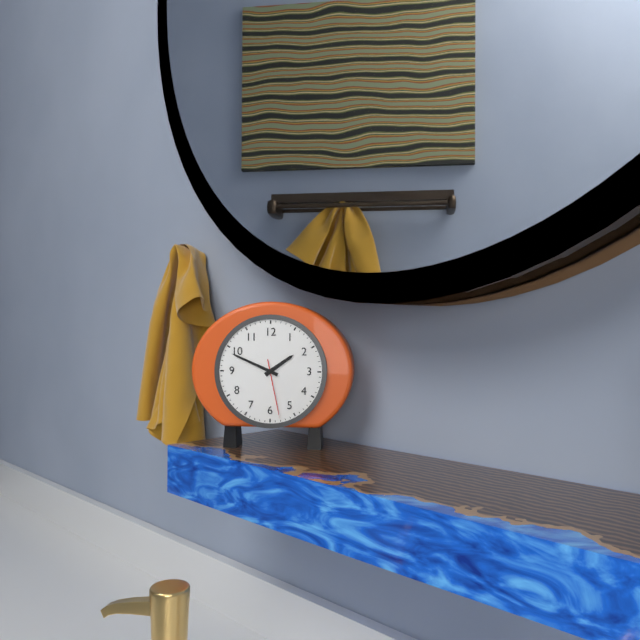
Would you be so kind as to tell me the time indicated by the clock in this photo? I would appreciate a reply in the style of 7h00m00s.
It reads 1h49m28s
